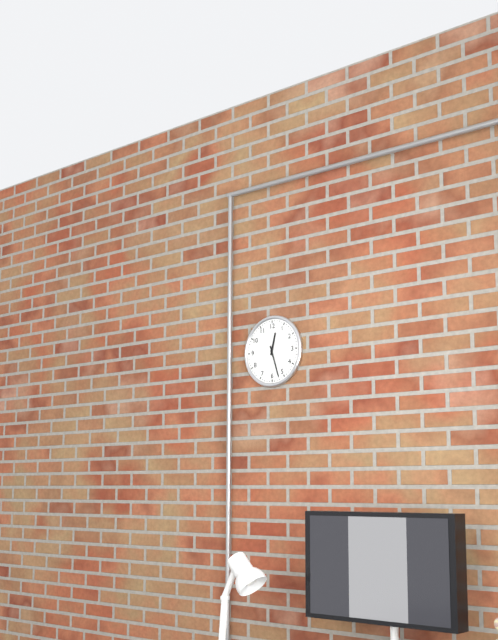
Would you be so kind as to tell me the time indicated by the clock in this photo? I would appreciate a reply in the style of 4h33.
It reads 12h27
